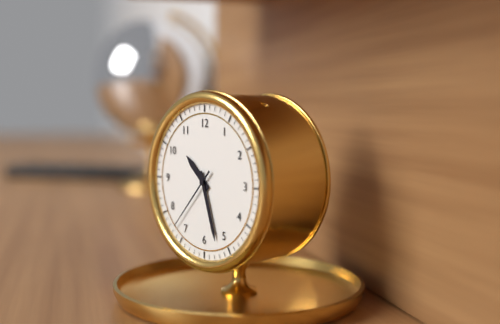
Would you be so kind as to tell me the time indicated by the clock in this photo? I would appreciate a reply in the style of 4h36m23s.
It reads 10h27m37s
